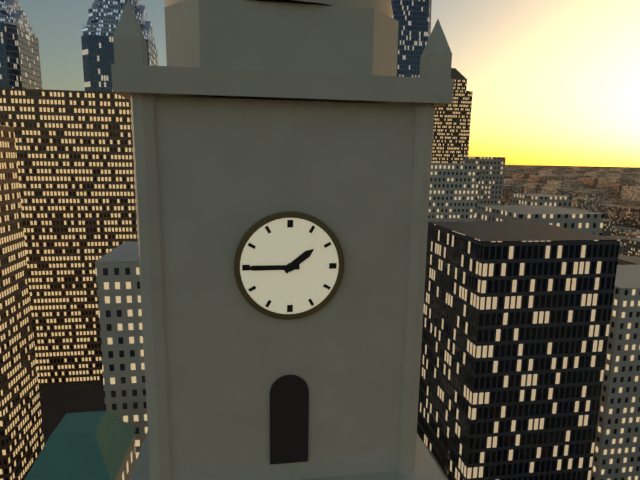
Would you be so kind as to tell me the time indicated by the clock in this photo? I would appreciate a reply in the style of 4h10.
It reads 1h45
